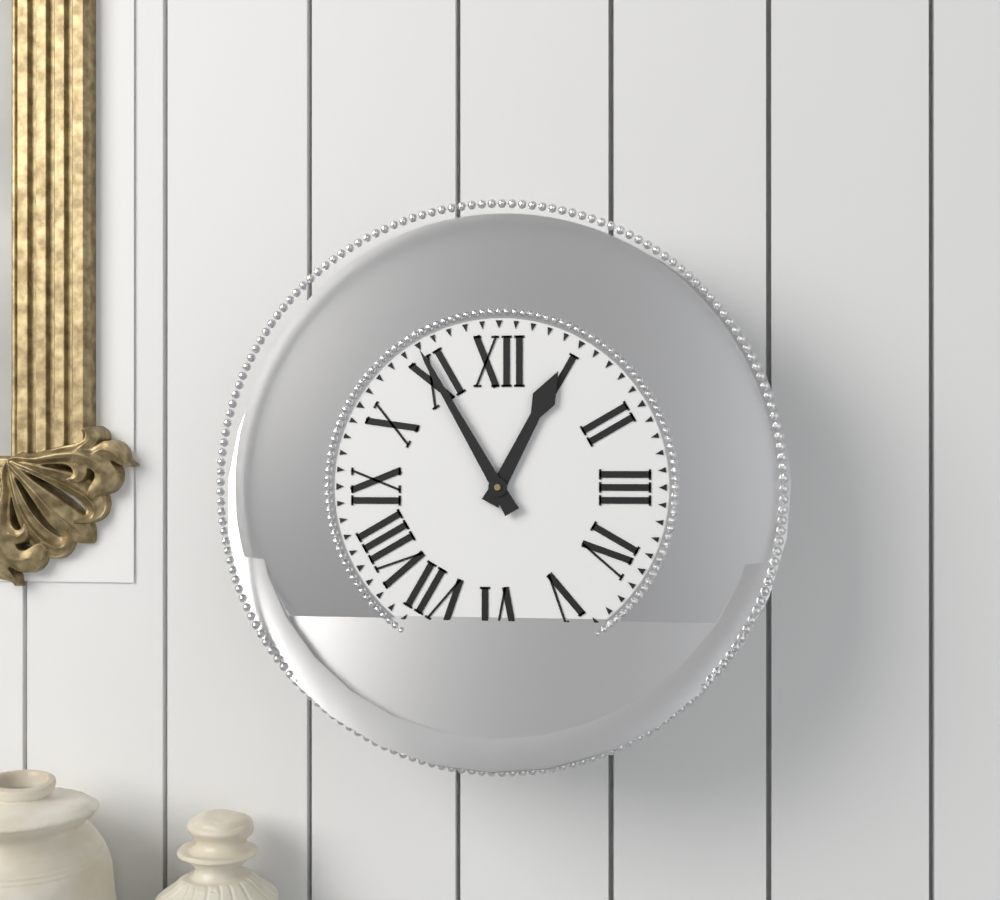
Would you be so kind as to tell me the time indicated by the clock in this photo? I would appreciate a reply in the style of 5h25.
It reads 12h55
